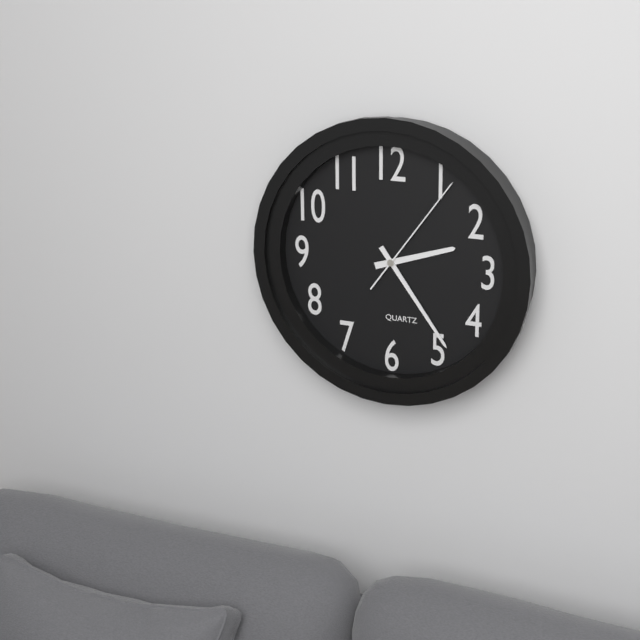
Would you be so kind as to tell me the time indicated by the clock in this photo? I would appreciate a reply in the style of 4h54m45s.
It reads 2h24m06s
